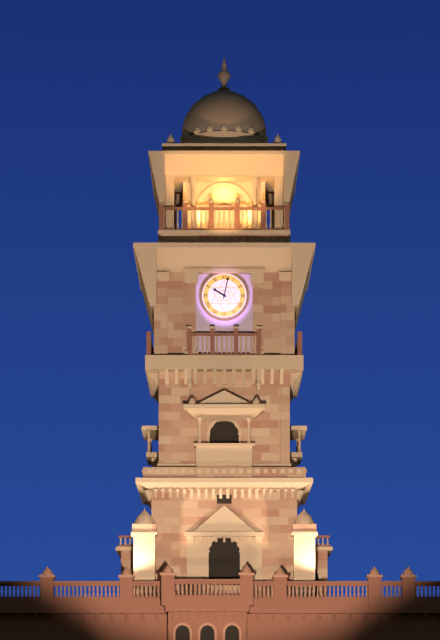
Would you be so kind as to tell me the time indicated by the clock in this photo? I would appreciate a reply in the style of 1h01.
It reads 10h02
